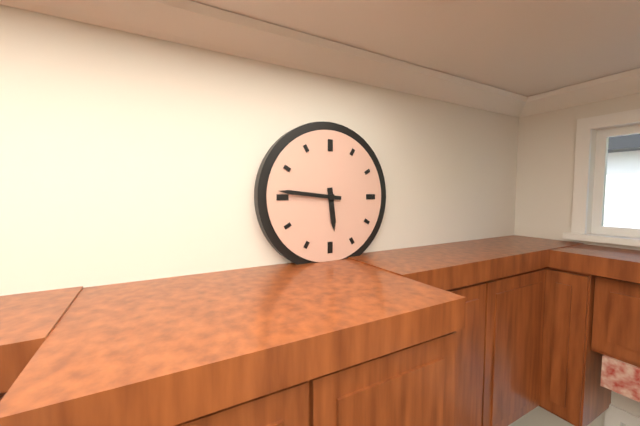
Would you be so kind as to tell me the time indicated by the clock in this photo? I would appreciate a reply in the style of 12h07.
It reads 5h46
